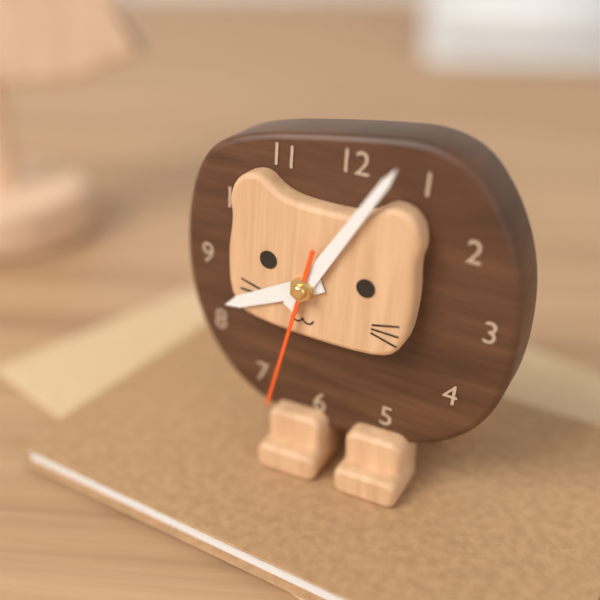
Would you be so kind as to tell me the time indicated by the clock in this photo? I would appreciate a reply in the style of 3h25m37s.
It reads 8h05m32s
